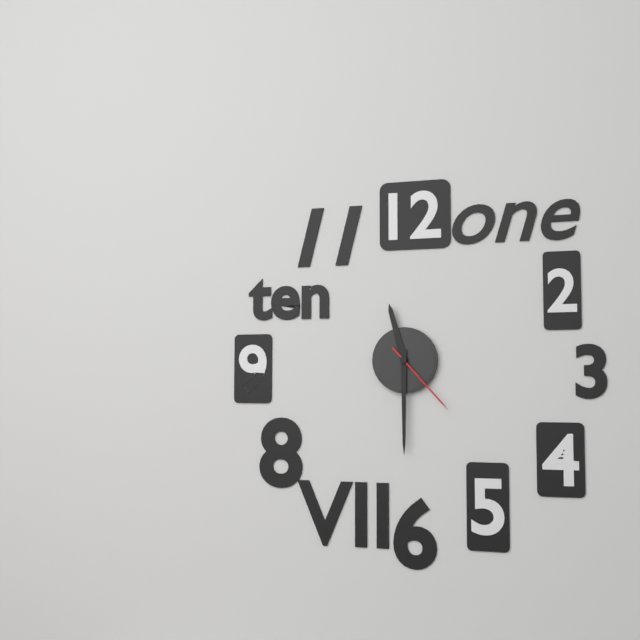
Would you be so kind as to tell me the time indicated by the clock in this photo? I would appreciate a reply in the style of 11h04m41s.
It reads 11h30m23s
